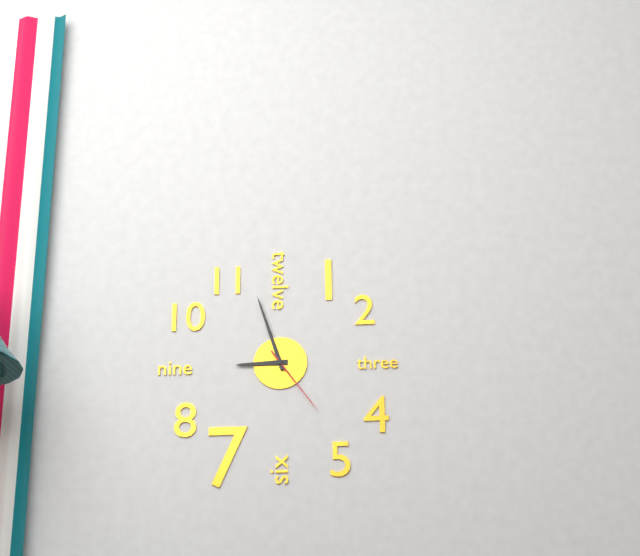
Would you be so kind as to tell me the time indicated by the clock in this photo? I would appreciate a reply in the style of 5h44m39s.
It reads 8h57m24s
